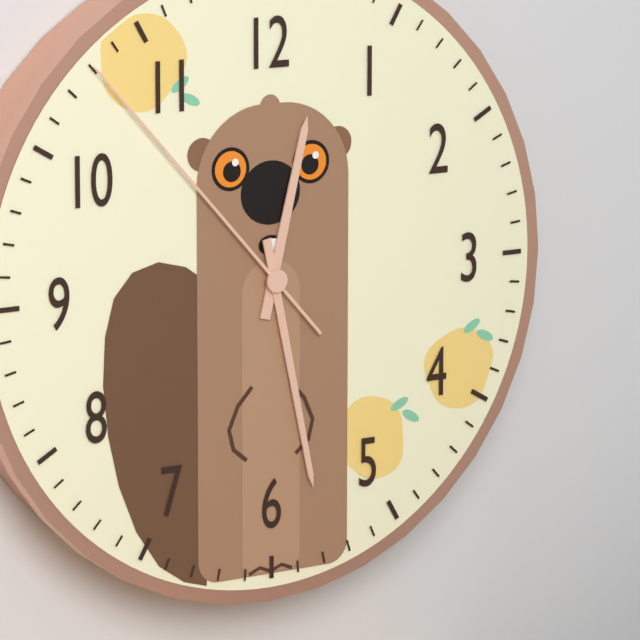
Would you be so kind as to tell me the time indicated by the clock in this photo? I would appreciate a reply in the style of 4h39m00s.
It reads 12h28m53s
